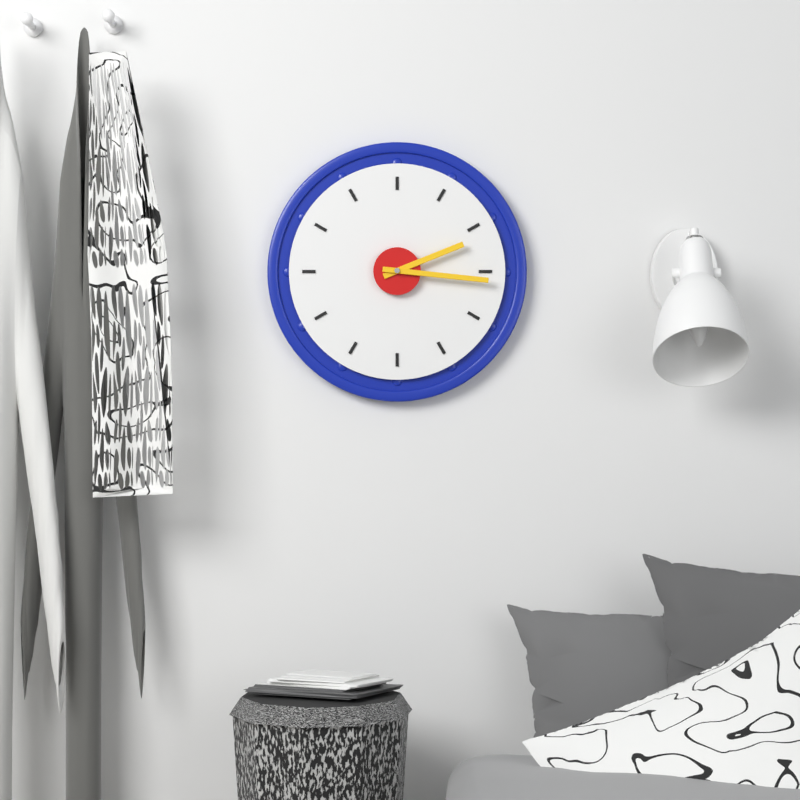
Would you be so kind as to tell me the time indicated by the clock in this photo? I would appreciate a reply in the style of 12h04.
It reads 2h16
